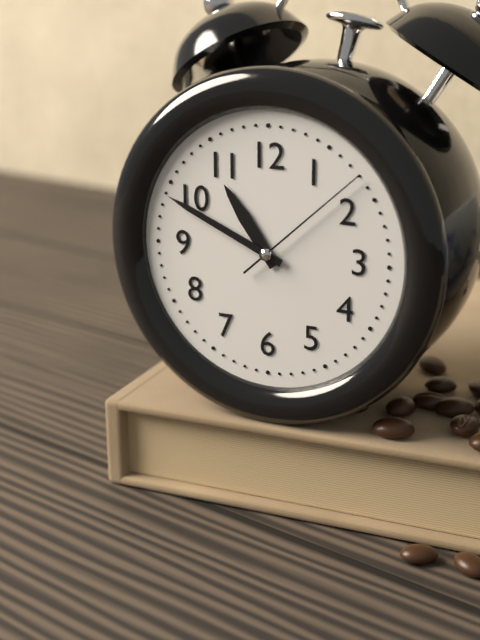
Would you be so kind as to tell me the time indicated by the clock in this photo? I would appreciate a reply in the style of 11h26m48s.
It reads 10h49m08s
